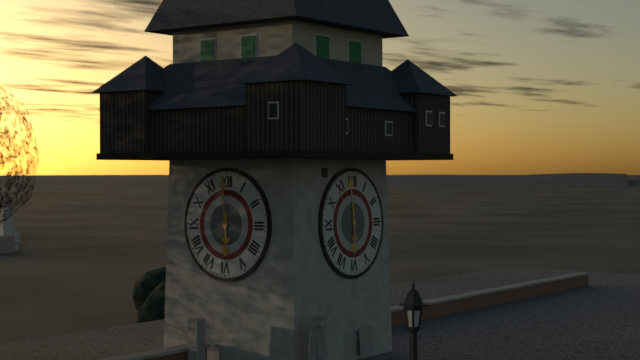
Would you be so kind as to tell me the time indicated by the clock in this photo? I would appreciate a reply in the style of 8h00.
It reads 5h59
